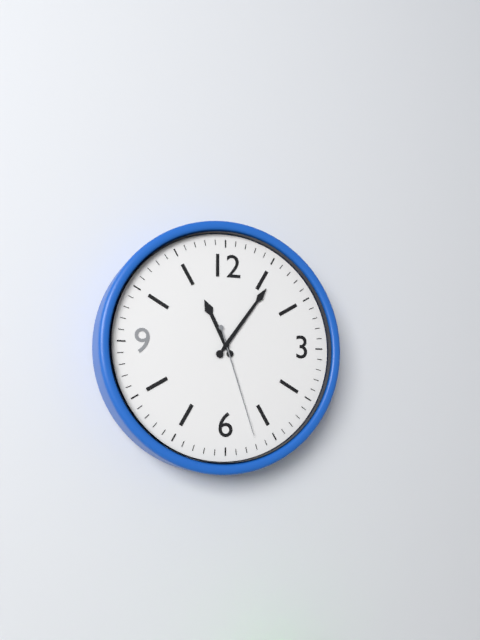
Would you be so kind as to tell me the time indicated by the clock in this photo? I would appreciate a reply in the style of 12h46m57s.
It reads 11h06m27s
